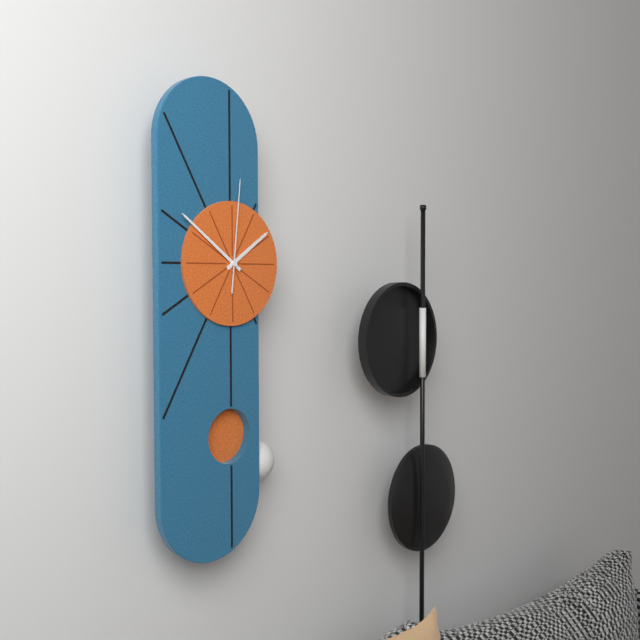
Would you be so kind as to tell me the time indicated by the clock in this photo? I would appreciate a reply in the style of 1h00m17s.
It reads 1h51m01s
